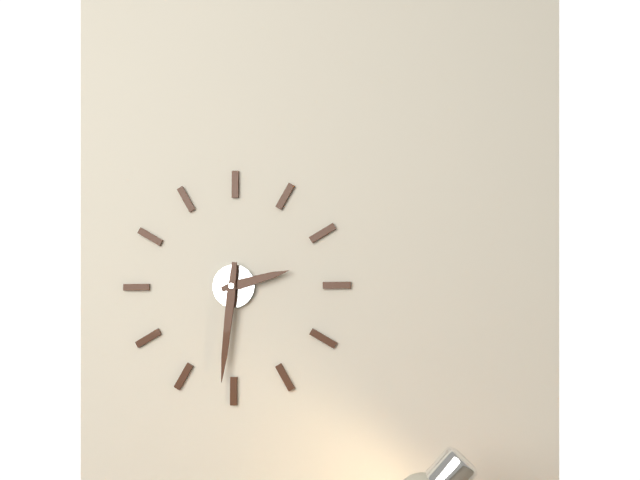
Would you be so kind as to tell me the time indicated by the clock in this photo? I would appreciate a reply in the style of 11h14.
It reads 2h31
